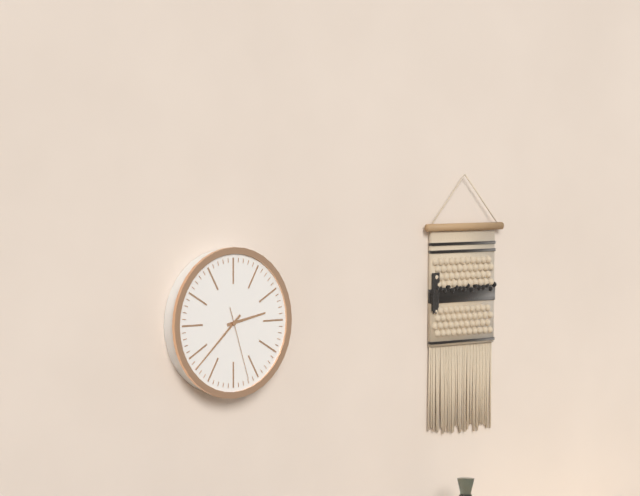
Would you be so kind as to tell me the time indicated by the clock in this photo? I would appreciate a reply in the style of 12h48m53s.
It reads 2h38m27s
